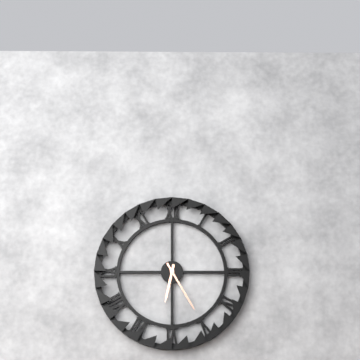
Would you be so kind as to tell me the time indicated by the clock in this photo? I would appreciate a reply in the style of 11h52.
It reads 6h25
